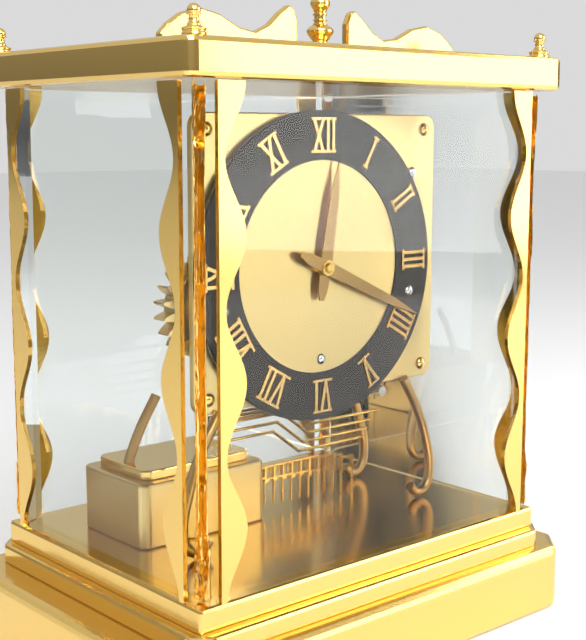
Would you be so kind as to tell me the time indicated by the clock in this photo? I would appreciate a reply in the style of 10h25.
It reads 12h19
